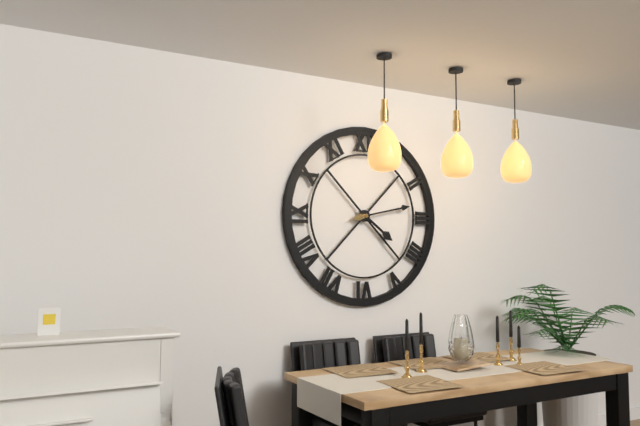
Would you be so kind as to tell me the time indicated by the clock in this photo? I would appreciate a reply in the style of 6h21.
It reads 4h13
